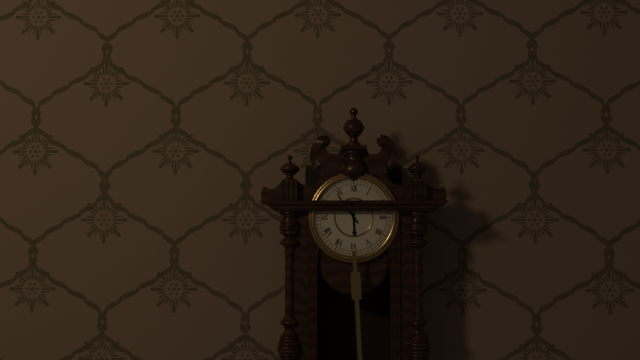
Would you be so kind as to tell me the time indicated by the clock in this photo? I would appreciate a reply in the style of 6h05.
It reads 5h54
